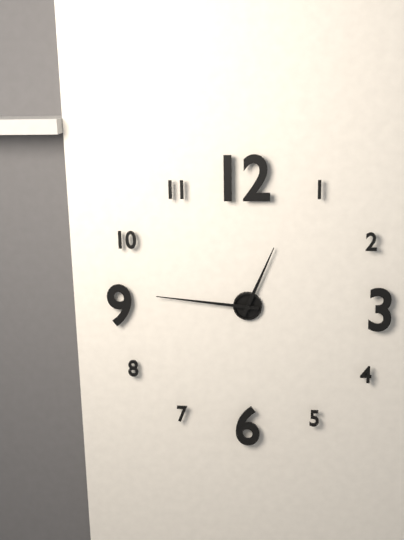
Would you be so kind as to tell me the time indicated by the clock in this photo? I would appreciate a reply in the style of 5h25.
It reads 12h46
